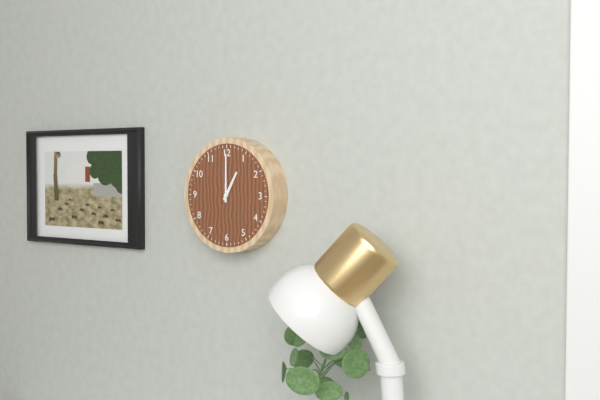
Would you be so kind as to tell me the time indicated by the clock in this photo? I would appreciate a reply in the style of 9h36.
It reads 1h00
